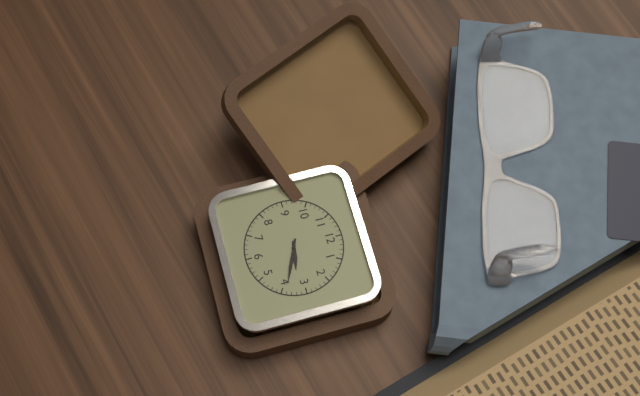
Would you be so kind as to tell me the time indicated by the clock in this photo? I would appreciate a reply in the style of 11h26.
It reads 3h19
